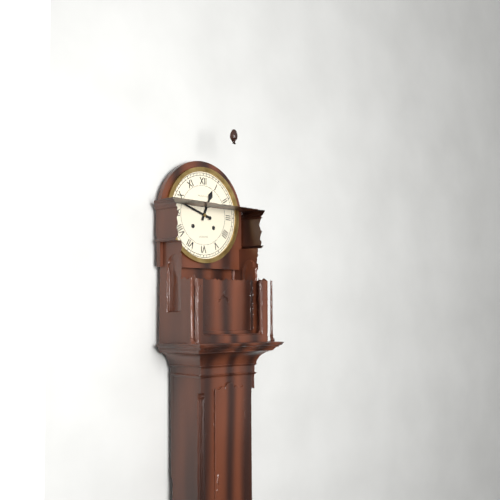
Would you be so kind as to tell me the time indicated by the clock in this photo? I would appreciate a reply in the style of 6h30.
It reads 12h48
